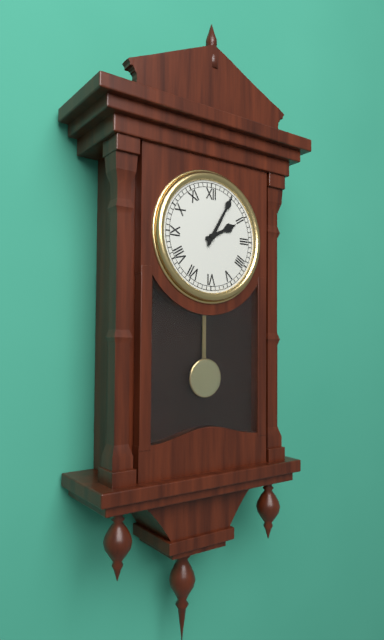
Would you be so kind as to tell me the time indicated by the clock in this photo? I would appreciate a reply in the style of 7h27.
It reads 2h05
